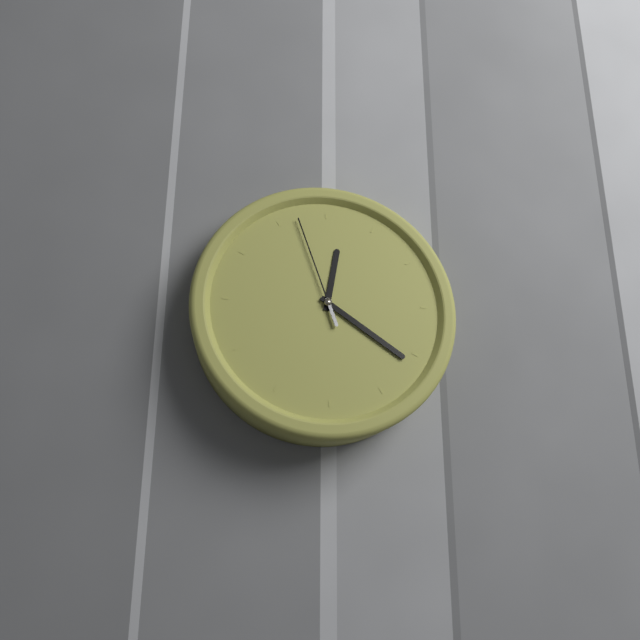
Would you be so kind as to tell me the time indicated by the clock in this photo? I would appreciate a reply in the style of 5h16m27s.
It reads 12h21m57s
